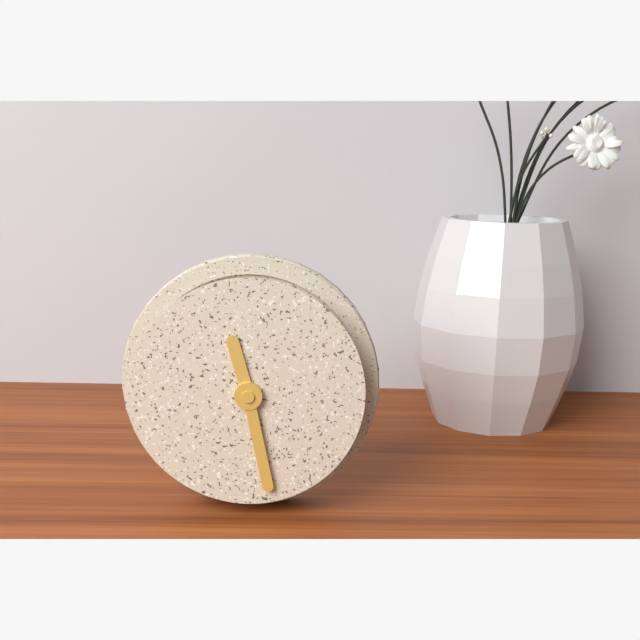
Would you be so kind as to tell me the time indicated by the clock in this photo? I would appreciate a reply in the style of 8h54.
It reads 11h28
